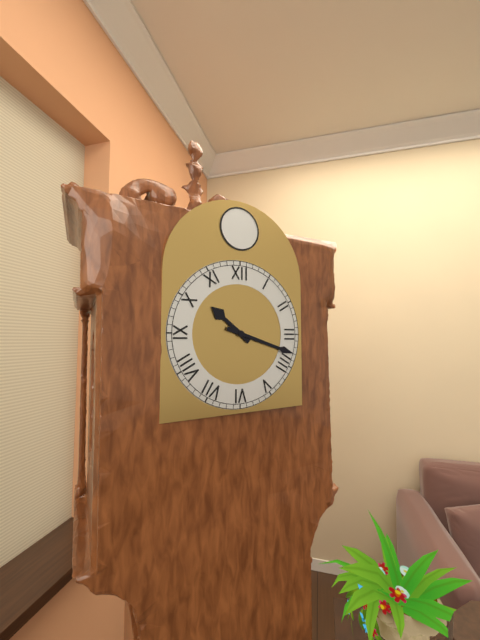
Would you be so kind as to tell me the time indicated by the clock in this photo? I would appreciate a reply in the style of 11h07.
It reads 10h18
